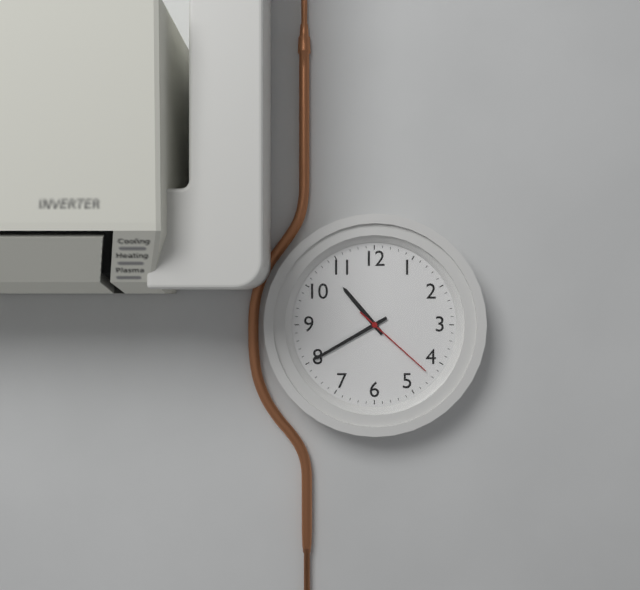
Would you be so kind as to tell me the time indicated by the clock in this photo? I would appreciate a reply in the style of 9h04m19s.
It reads 10h40m22s
